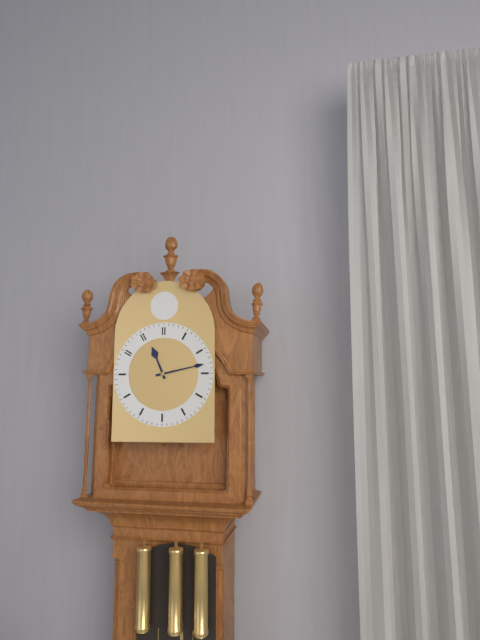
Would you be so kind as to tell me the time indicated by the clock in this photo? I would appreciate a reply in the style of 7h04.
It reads 11h13
